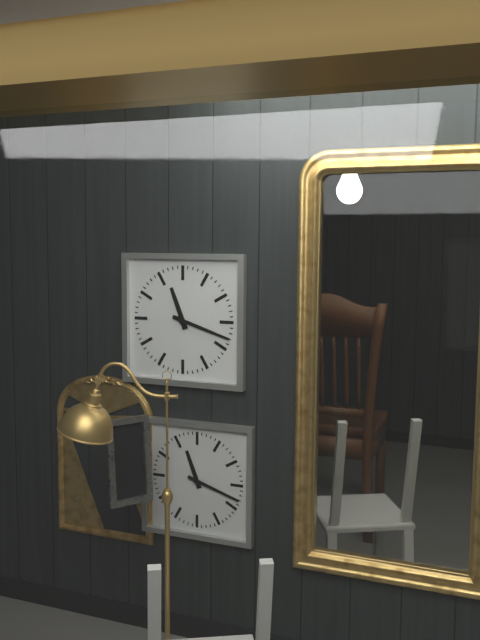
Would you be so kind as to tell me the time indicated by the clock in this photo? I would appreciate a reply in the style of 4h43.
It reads 11h18
